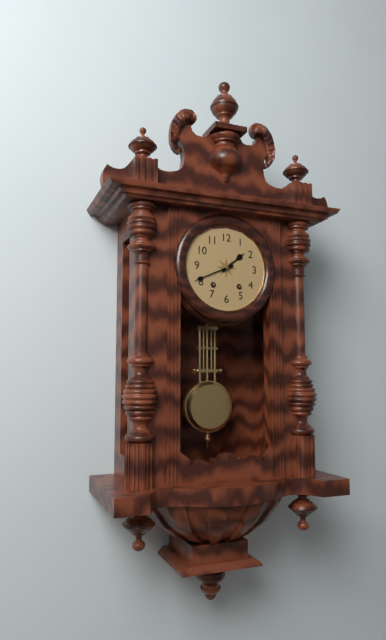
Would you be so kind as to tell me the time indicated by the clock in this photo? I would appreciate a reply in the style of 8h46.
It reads 1h41
